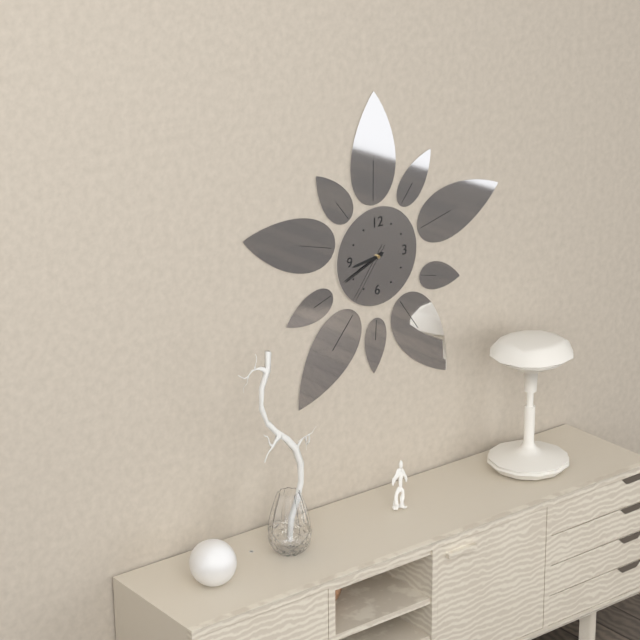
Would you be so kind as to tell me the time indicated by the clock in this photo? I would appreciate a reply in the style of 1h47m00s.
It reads 8h41m36s
